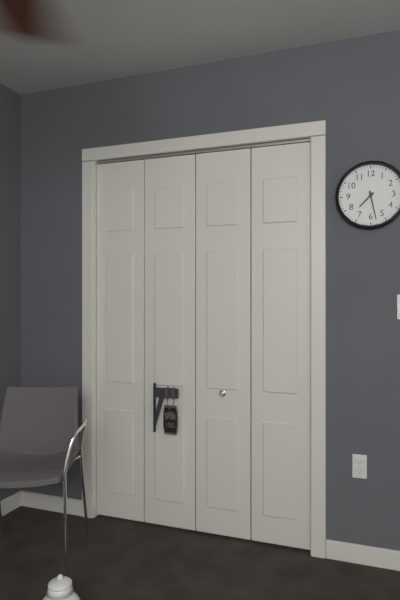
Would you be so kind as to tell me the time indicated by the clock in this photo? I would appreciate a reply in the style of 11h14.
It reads 7h28
